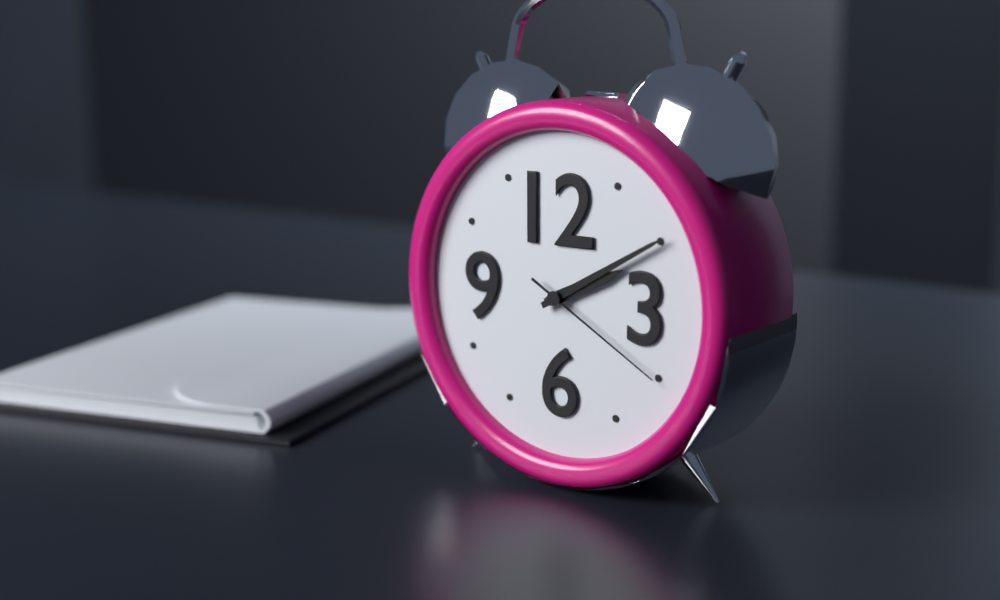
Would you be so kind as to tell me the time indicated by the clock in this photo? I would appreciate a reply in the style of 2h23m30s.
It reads 2h10m20s
